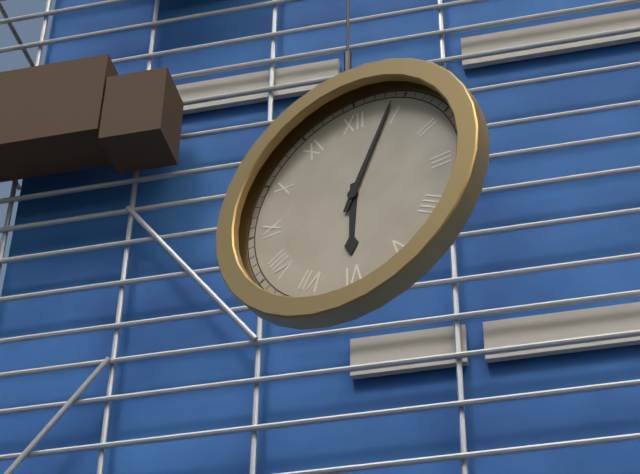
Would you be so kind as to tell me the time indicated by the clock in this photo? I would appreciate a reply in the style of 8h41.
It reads 6h04
